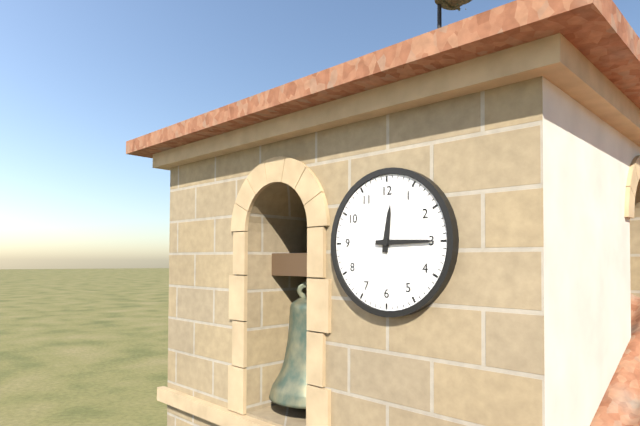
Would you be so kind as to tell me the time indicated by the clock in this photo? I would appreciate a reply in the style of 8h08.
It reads 12h15
